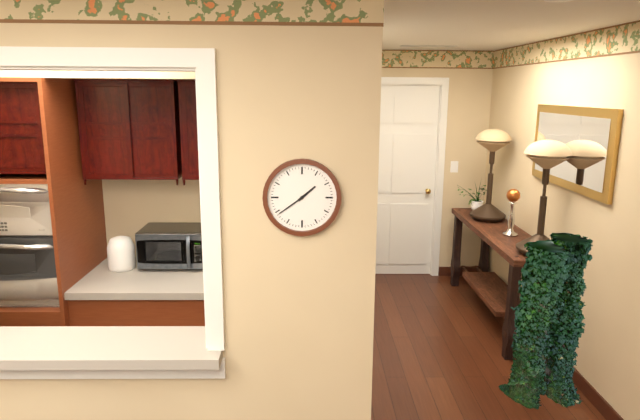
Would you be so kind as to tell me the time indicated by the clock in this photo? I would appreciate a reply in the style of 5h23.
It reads 1h39
